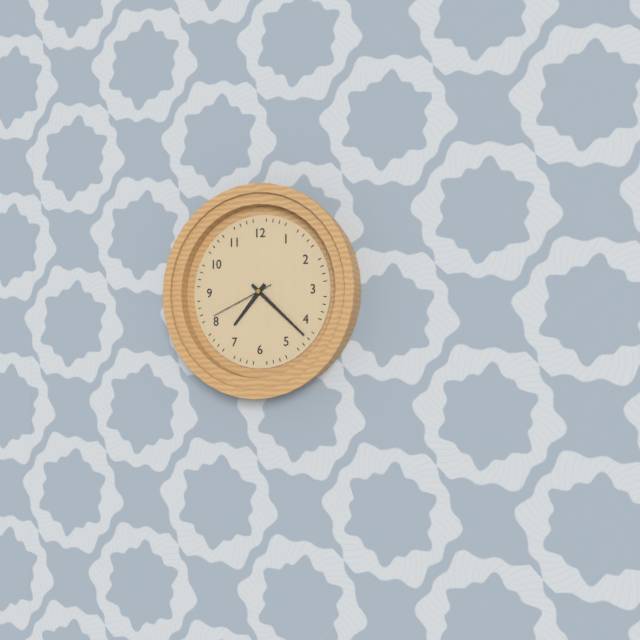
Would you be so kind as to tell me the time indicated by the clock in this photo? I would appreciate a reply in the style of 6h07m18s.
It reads 7h22m41s
